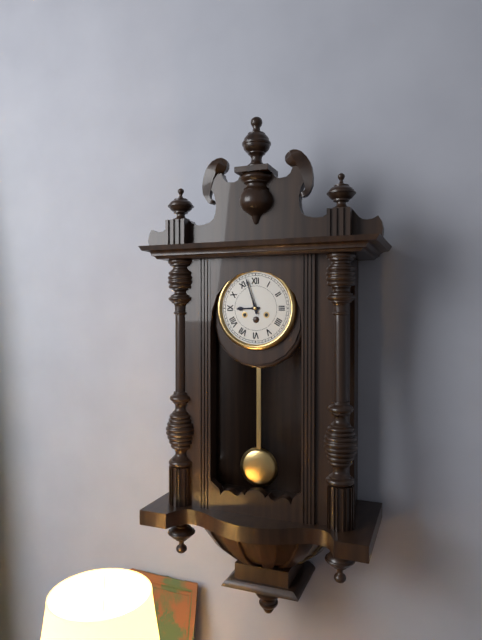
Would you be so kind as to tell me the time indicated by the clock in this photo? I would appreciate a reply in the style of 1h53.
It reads 8h57
